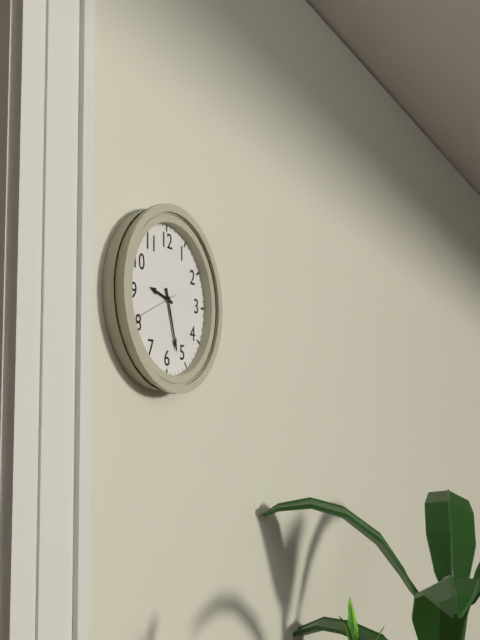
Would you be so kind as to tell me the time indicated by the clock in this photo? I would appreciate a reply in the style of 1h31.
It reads 9h27
